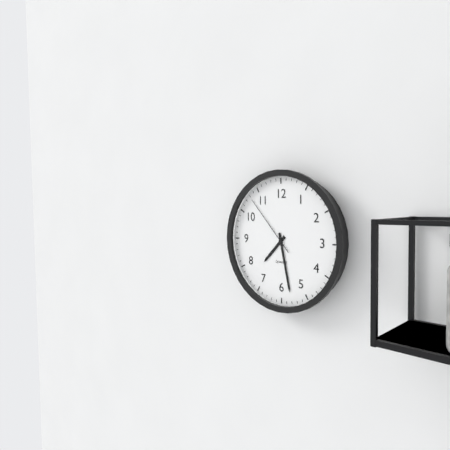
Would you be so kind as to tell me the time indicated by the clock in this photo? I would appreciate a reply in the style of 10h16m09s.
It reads 7h28m53s
